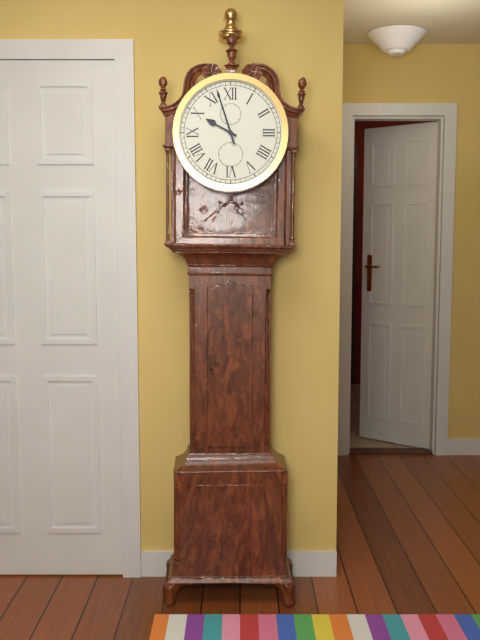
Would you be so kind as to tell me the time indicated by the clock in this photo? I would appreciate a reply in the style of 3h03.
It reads 9h57
